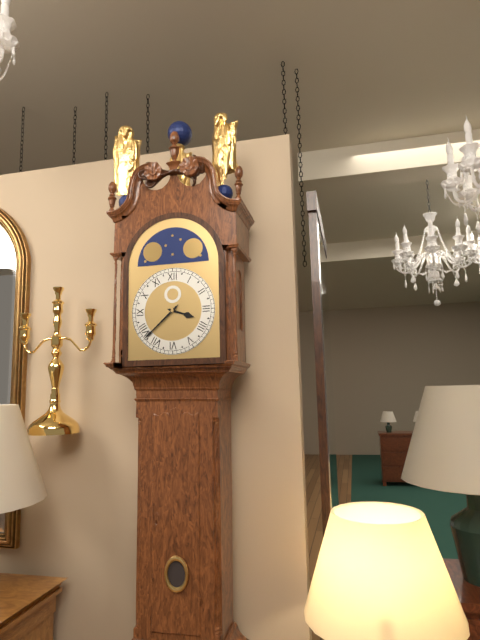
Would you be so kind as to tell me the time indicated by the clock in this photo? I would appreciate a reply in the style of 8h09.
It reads 3h38
